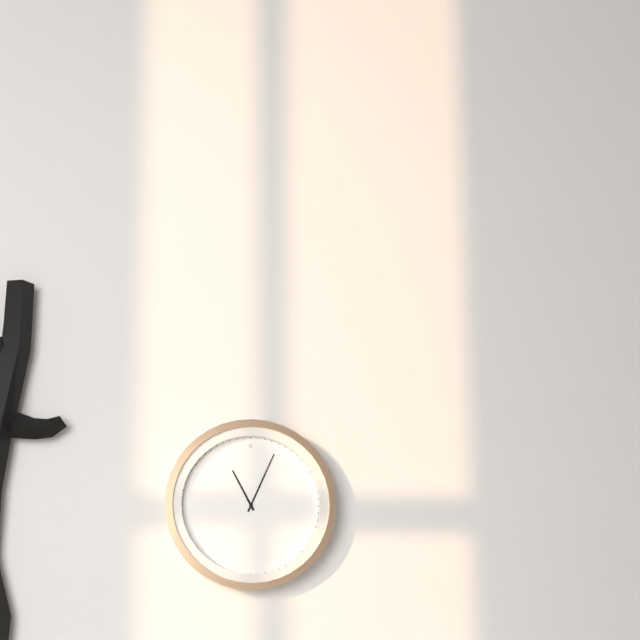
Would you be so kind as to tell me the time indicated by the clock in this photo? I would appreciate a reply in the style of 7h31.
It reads 11h04
